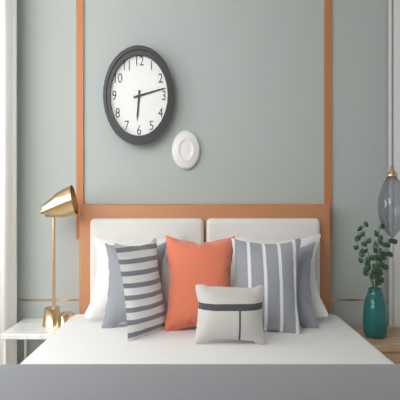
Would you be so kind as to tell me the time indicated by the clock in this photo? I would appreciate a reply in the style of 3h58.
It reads 6h13
